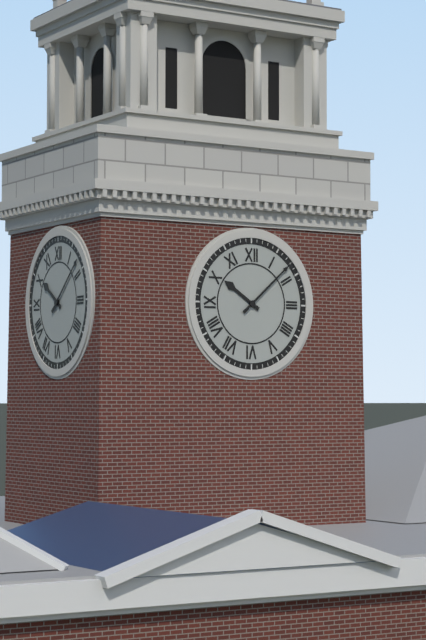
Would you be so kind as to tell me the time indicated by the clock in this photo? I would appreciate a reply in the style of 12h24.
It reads 10h08
